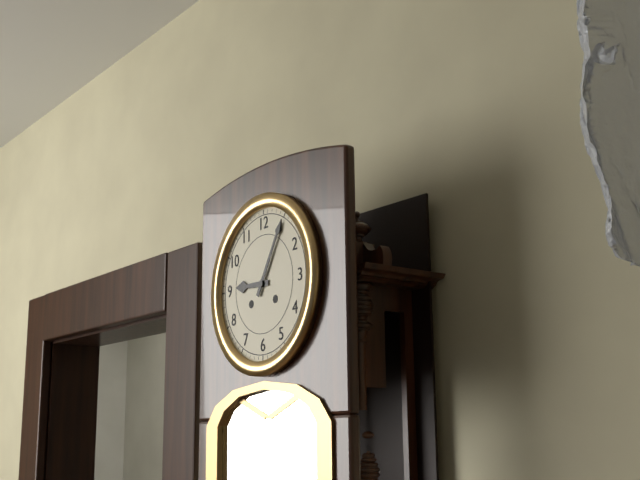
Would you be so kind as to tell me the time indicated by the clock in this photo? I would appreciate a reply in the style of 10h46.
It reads 9h05
